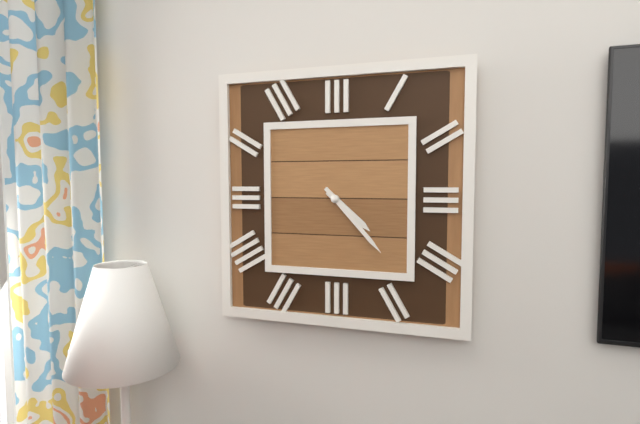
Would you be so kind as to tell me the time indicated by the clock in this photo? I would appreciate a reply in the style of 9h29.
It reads 4h23
